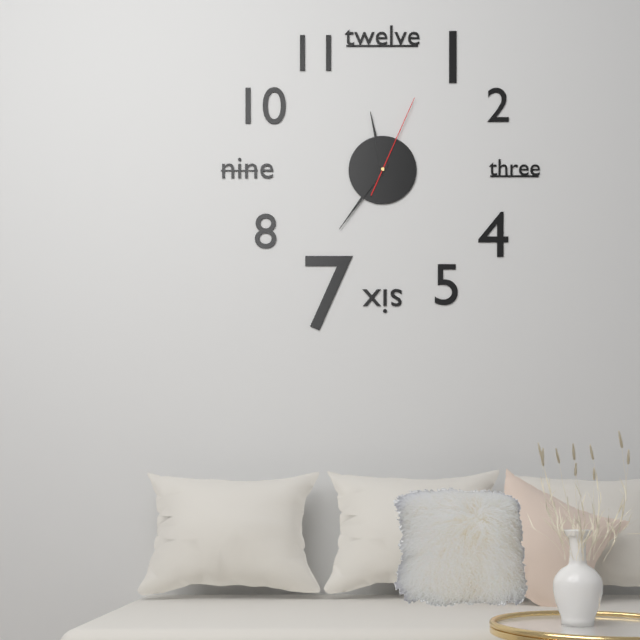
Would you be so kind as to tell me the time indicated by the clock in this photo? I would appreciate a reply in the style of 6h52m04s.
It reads 11h36m04s
